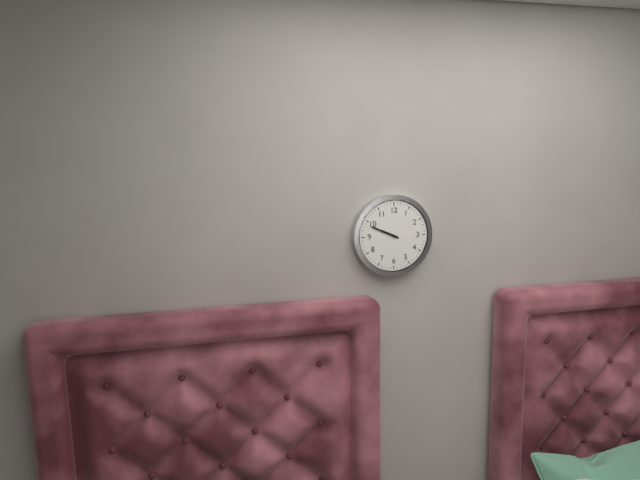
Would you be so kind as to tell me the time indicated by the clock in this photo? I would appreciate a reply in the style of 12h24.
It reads 9h49
